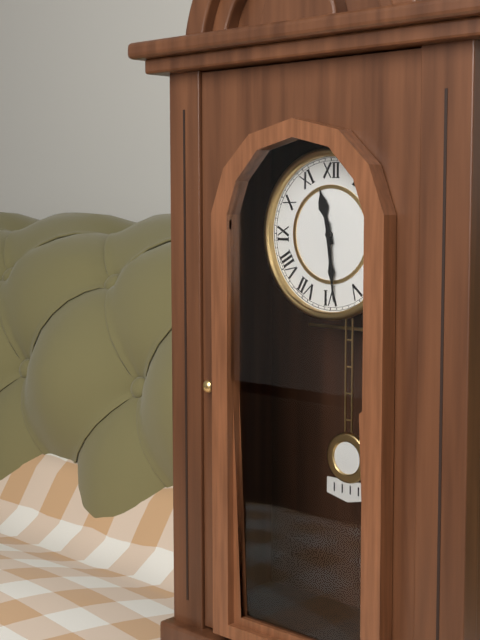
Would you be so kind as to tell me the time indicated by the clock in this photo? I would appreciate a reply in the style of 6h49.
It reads 11h29
